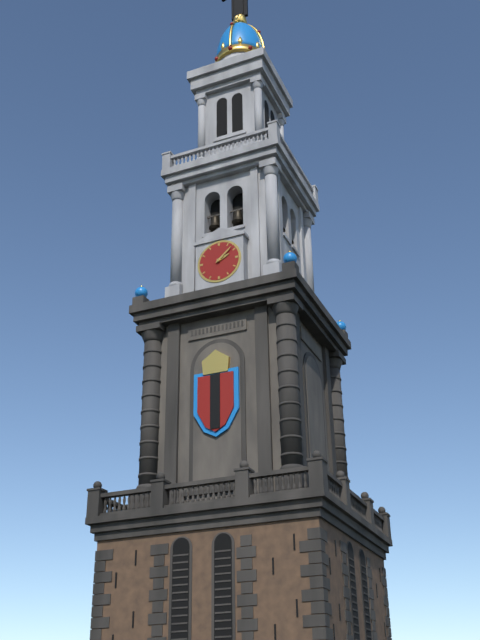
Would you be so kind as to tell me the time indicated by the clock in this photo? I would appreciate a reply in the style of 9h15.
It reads 2h08
